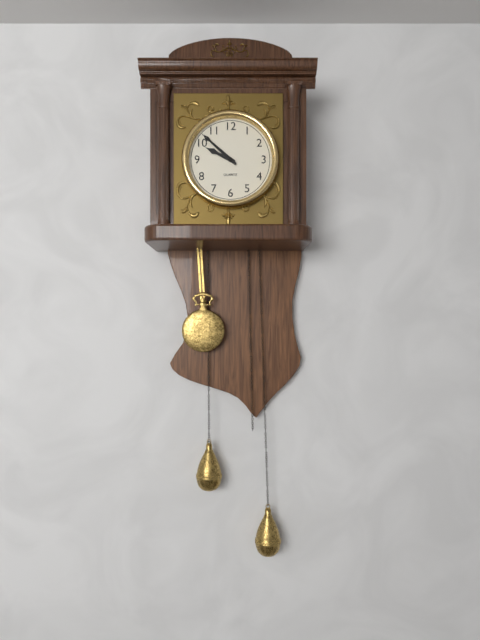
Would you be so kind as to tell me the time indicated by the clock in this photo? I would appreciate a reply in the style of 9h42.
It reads 9h52
